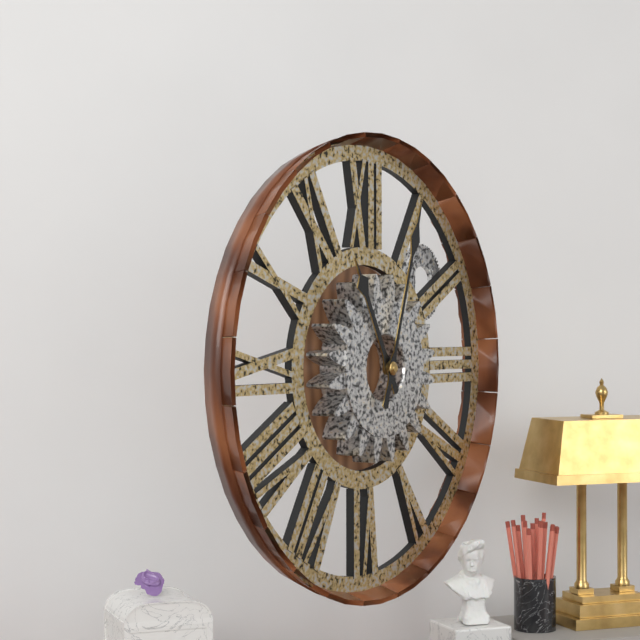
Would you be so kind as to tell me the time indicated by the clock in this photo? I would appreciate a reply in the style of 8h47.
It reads 11h03
